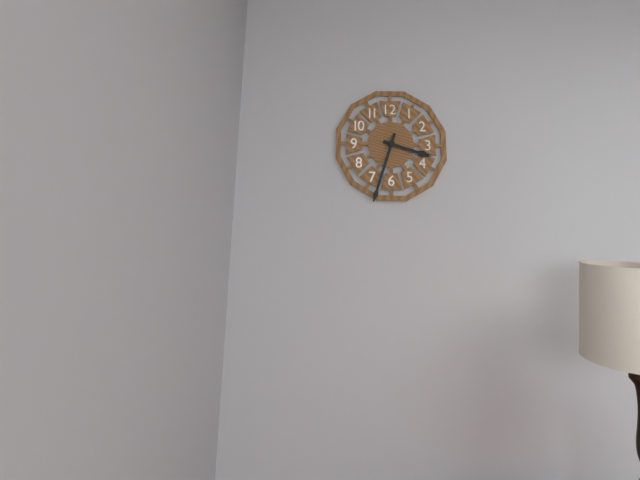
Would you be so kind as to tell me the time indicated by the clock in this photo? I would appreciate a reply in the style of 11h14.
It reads 3h33
